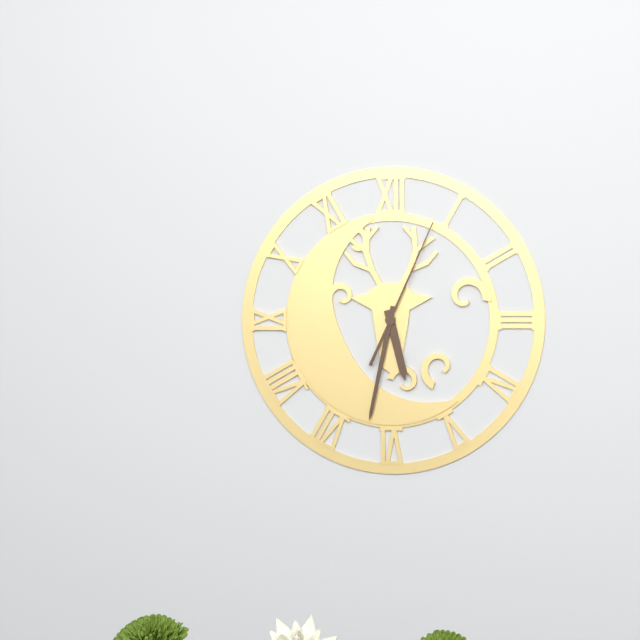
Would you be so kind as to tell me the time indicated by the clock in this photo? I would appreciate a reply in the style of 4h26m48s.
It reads 5h32m04s
